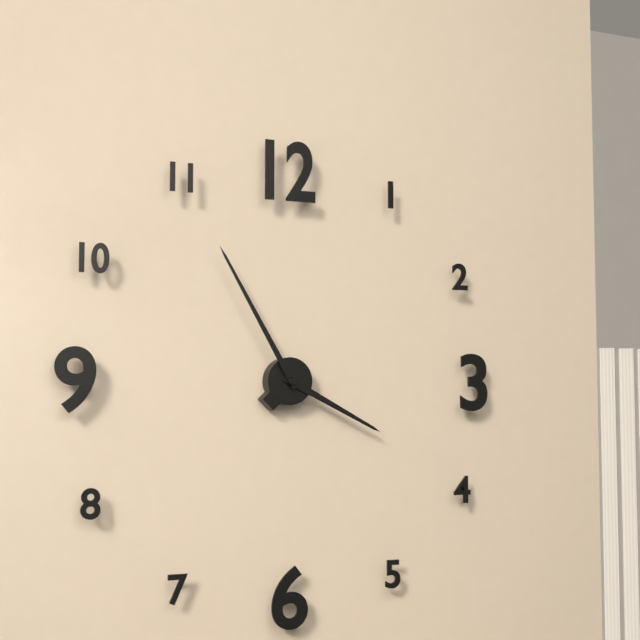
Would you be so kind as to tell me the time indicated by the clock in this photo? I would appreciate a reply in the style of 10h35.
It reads 3h55
